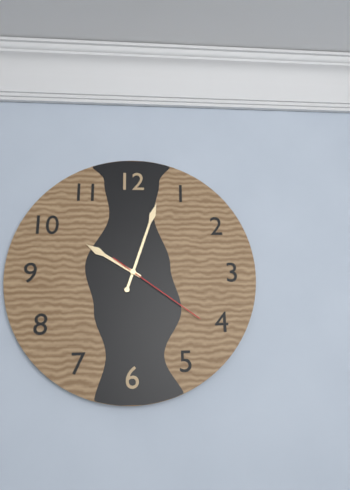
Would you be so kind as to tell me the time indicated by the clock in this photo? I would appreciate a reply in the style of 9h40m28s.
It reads 10h03m21s
